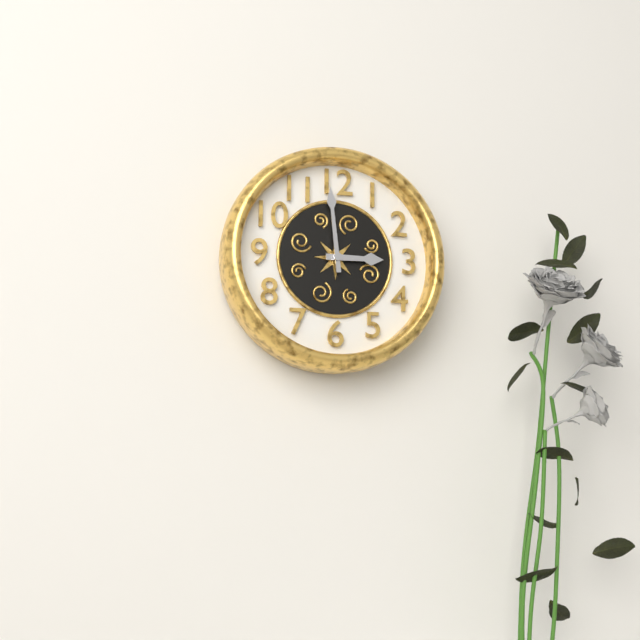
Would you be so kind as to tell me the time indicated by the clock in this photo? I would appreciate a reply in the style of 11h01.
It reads 2h59
